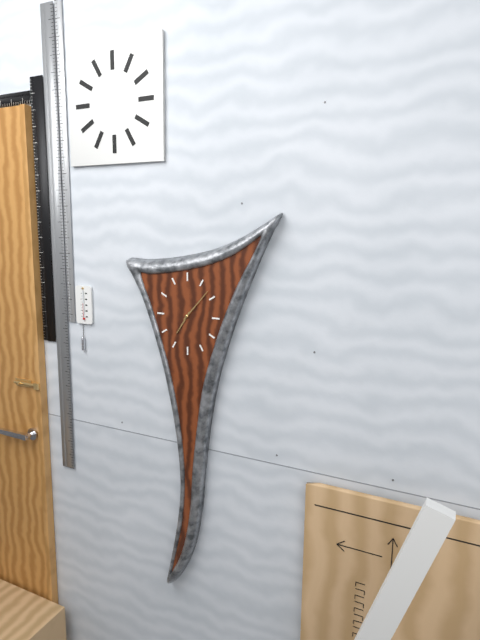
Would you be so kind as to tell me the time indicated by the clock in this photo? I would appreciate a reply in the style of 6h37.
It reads 7h07
